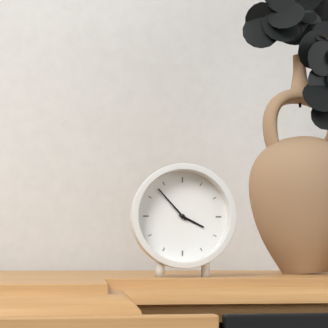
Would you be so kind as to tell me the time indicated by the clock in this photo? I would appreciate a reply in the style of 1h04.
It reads 3h53
